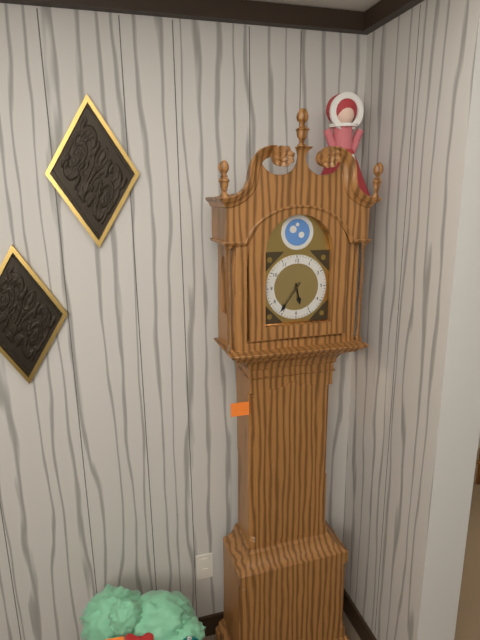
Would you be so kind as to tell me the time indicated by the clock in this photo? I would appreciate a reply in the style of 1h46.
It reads 5h36
